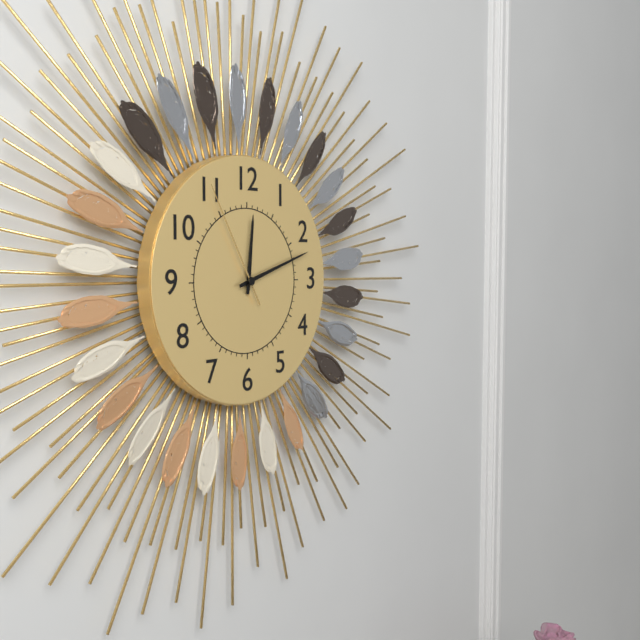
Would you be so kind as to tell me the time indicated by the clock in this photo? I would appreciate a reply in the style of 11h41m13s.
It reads 12h12m55s
